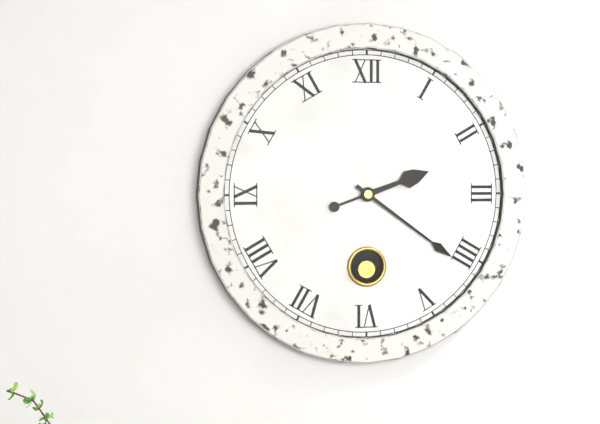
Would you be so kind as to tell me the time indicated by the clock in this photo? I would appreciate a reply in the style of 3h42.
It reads 2h21
